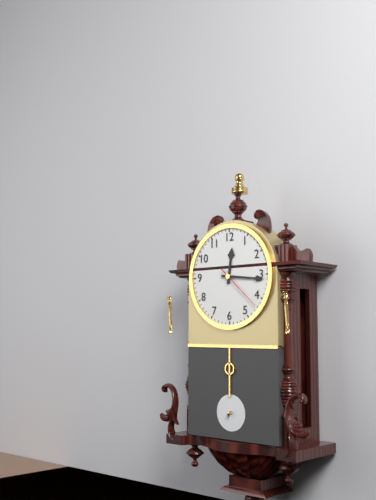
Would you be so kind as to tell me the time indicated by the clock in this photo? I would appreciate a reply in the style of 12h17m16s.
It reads 12h16m22s
